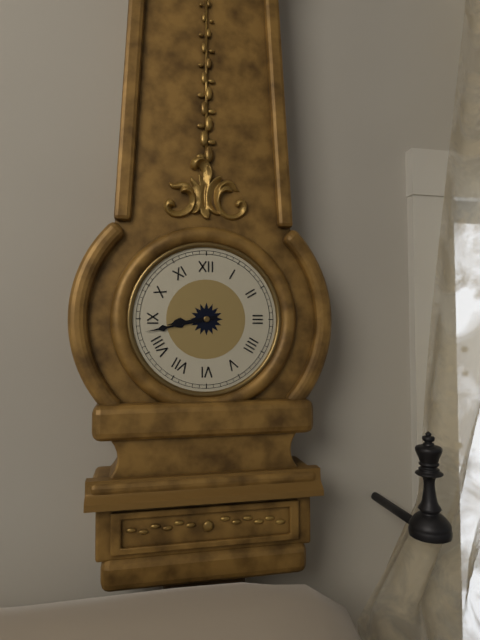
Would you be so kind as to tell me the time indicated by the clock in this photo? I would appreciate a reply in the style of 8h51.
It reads 8h43
